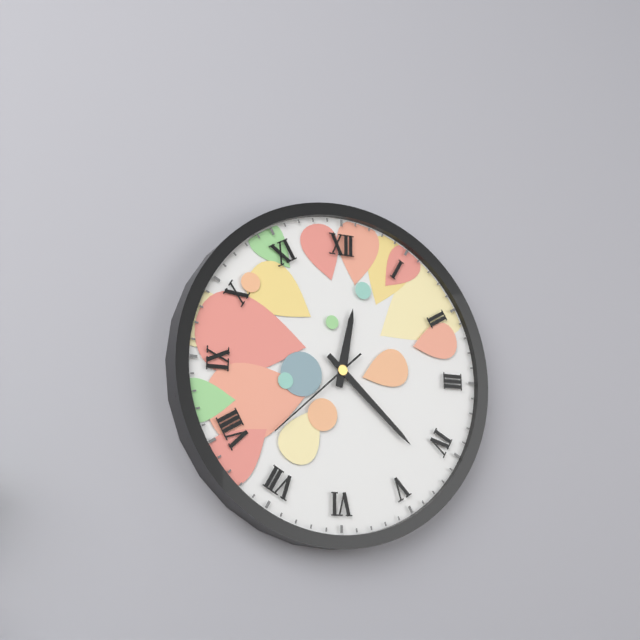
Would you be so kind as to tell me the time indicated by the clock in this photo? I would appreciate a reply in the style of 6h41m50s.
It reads 12h22m38s
